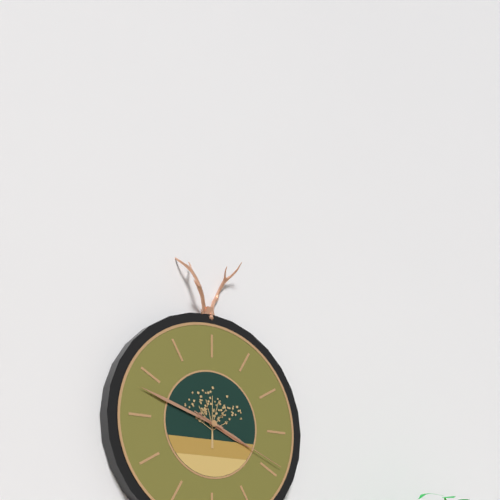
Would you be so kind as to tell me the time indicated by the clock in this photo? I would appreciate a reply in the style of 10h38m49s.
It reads 3h48m19s
